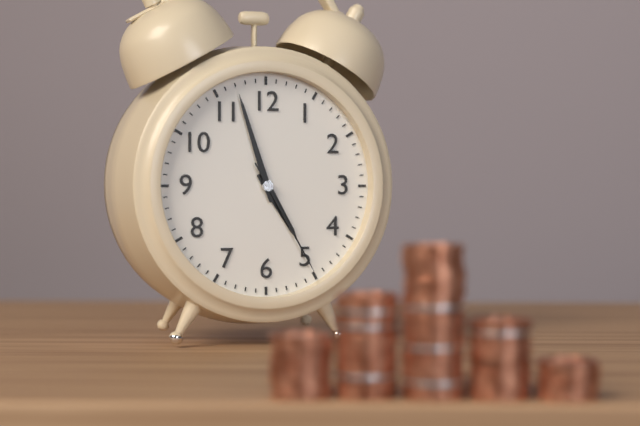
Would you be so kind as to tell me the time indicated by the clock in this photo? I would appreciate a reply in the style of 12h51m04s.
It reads 4h57m25s
